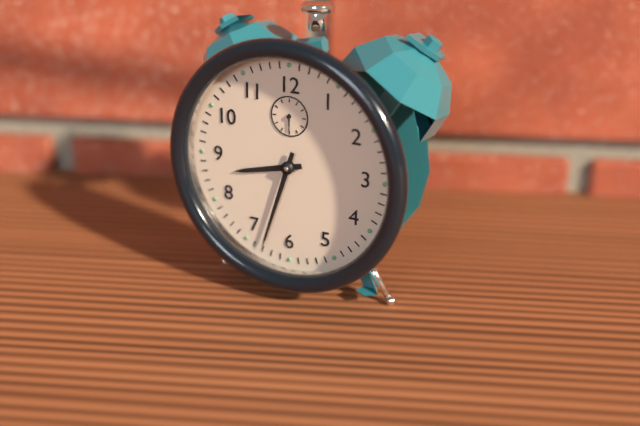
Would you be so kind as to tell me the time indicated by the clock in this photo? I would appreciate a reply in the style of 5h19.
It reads 8h33
